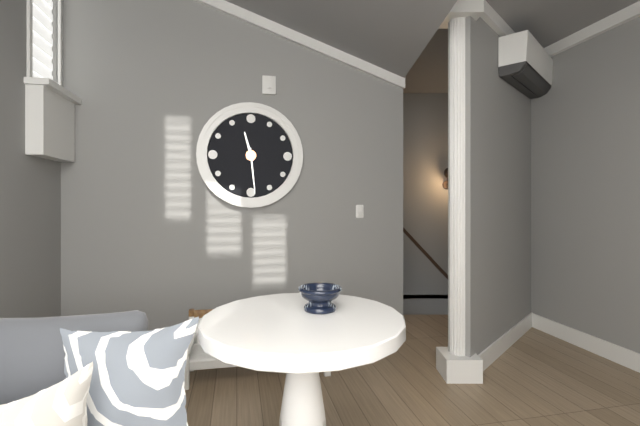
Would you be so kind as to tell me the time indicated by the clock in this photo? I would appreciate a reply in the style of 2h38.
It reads 11h29
